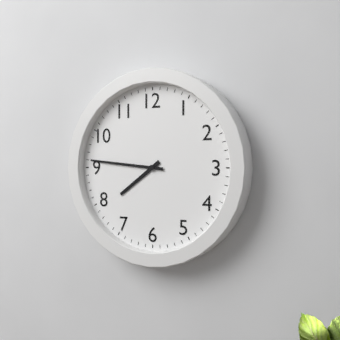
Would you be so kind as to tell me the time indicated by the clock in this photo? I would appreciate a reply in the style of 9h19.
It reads 7h46
